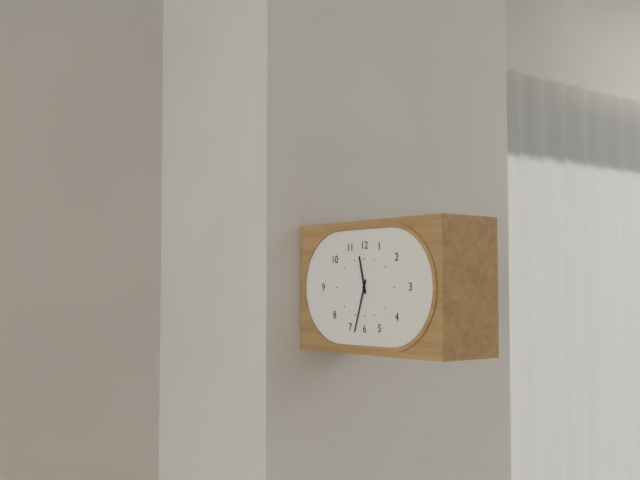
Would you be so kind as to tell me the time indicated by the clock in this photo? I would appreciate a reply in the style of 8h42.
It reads 11h33
